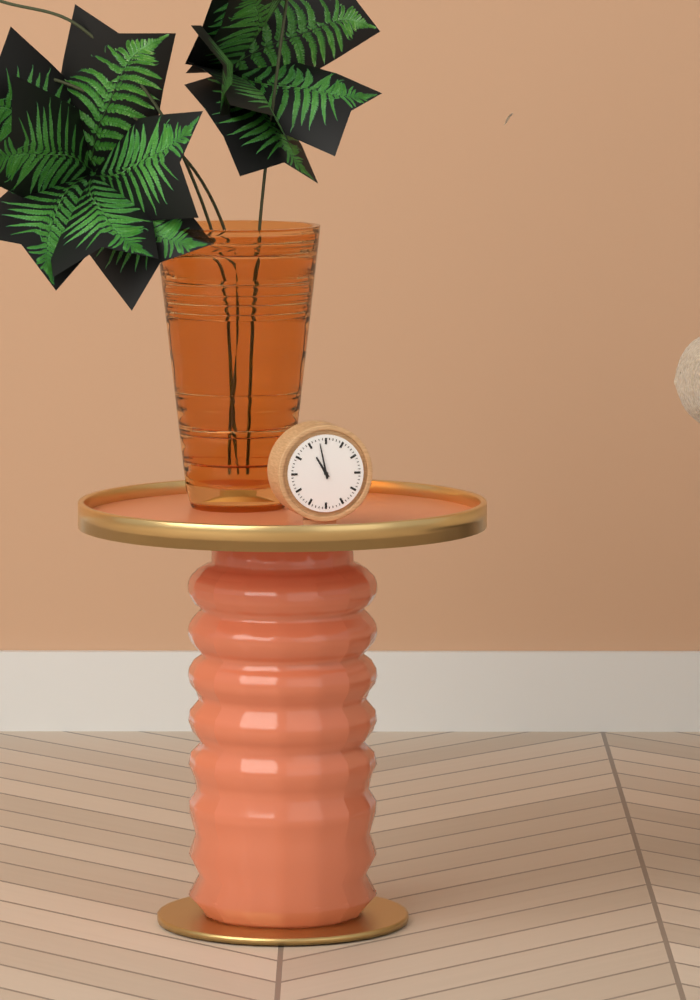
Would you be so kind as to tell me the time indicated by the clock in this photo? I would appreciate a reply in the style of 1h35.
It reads 10h58
